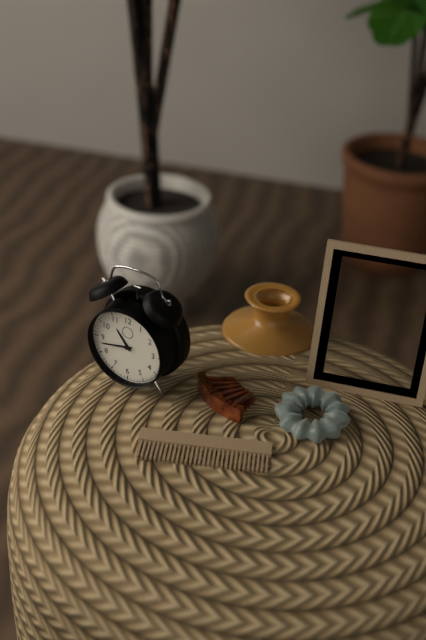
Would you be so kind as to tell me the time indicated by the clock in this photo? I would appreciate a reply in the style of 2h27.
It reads 10h43
